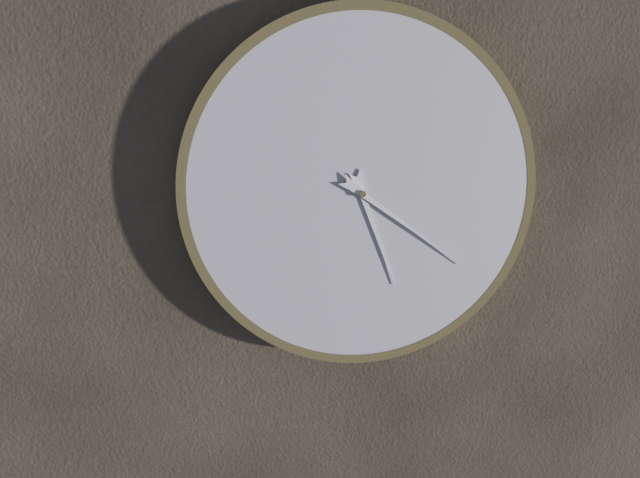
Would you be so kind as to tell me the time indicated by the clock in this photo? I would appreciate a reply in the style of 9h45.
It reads 5h21
